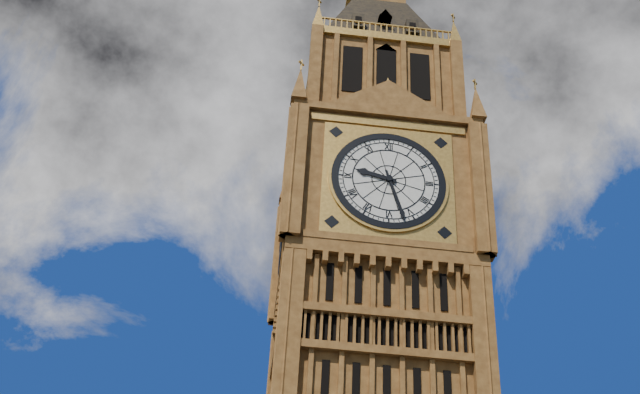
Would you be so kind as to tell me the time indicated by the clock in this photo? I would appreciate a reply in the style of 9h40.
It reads 9h27
